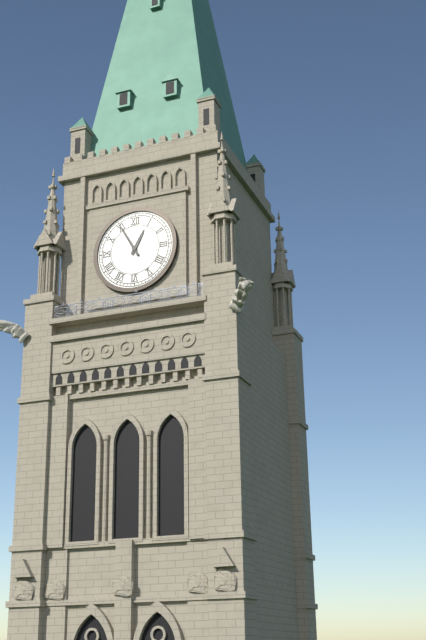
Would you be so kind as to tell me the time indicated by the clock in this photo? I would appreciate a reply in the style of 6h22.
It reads 12h55
